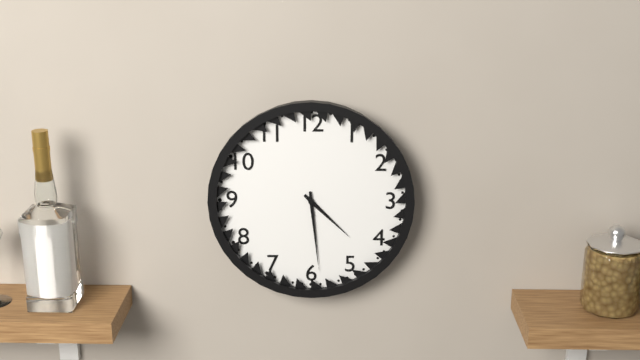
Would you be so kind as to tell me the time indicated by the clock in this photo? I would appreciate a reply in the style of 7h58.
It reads 4h29
